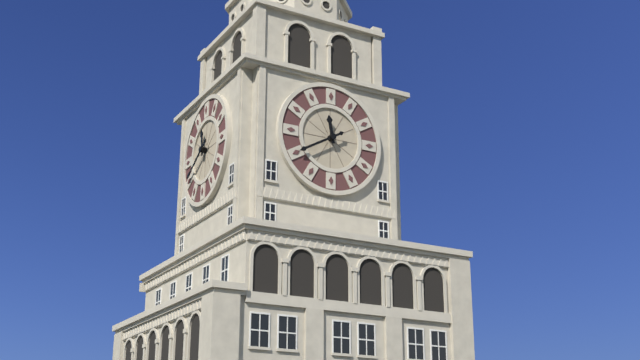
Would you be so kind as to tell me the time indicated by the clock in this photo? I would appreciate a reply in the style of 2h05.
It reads 11h40
